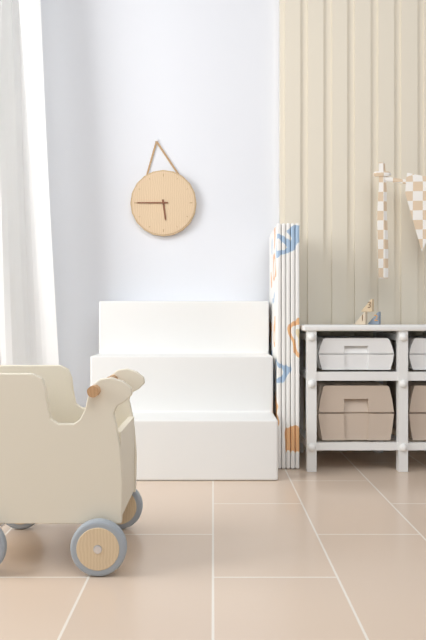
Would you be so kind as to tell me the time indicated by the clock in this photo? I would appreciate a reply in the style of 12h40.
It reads 5h45
